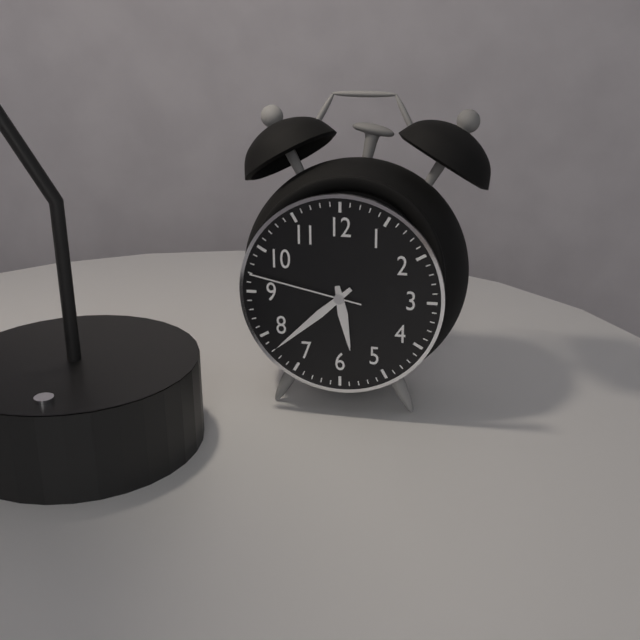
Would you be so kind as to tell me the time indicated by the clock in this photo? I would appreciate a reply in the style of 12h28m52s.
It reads 5h38m47s
